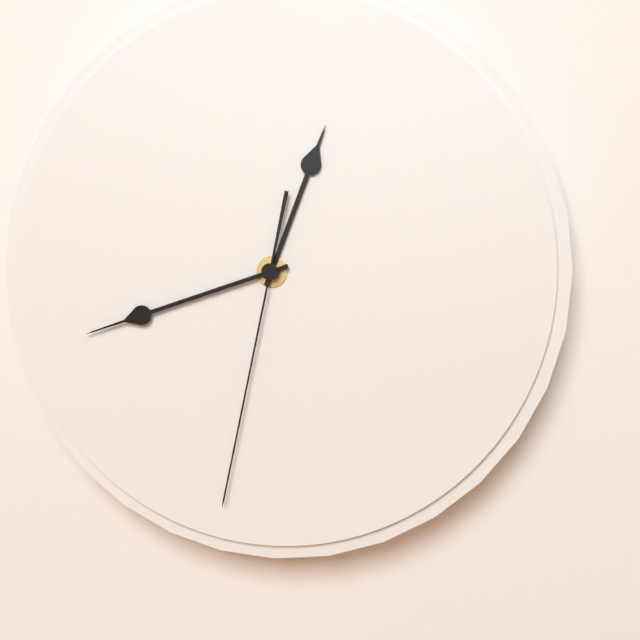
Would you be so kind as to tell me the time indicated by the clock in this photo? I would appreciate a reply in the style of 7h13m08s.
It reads 12h42m32s
